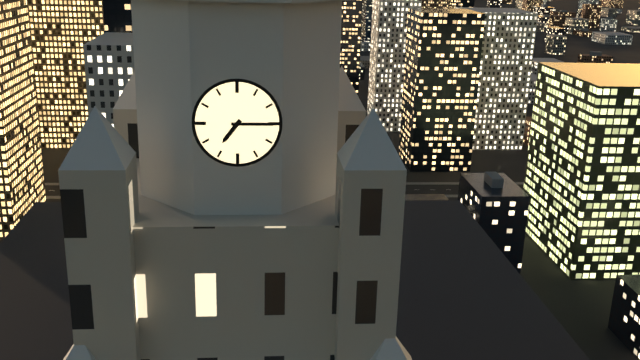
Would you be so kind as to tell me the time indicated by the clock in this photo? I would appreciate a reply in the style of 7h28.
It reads 7h15
